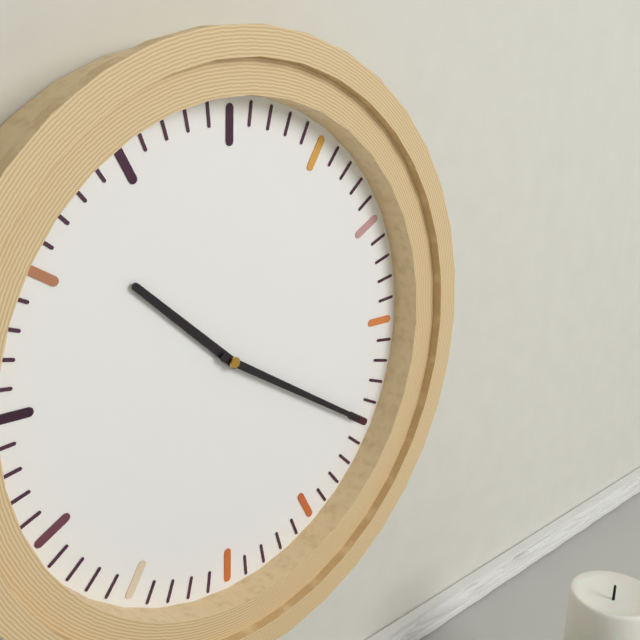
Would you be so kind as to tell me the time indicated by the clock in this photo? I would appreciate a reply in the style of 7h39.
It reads 10h20
